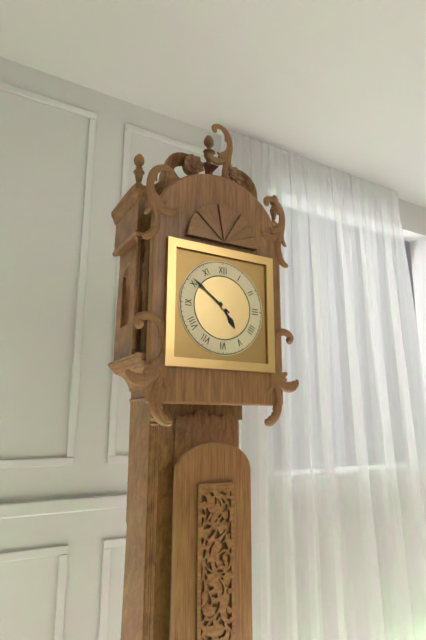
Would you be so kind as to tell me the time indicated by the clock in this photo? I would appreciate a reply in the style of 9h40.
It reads 4h51
